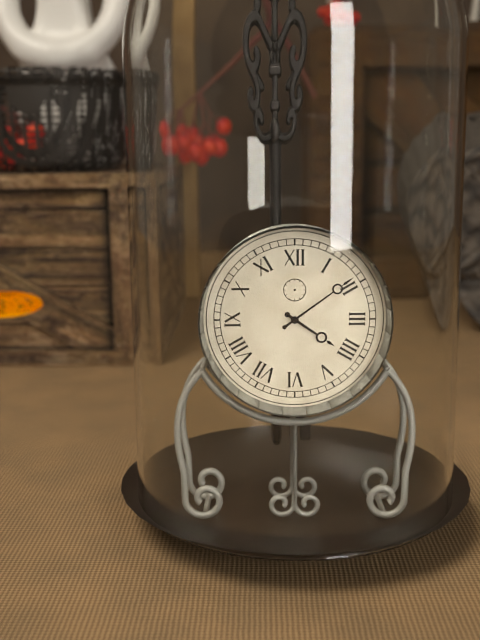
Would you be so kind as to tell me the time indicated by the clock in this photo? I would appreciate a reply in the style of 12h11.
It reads 4h09
